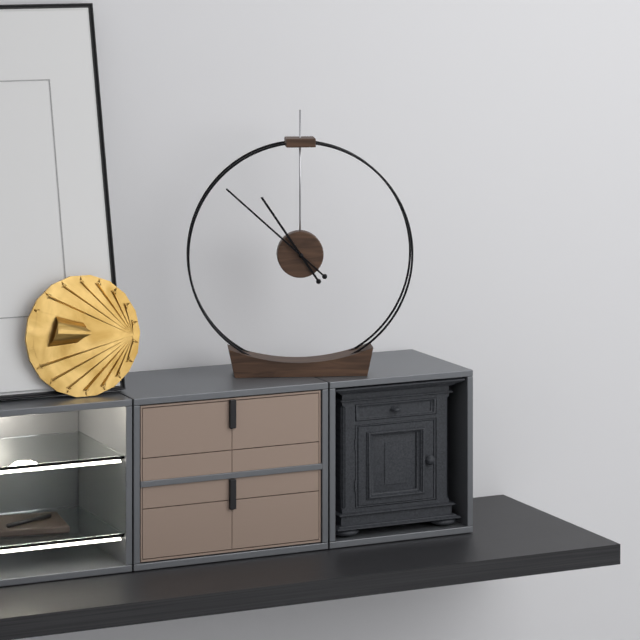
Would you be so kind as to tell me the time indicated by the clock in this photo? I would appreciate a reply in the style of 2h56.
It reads 10h52
